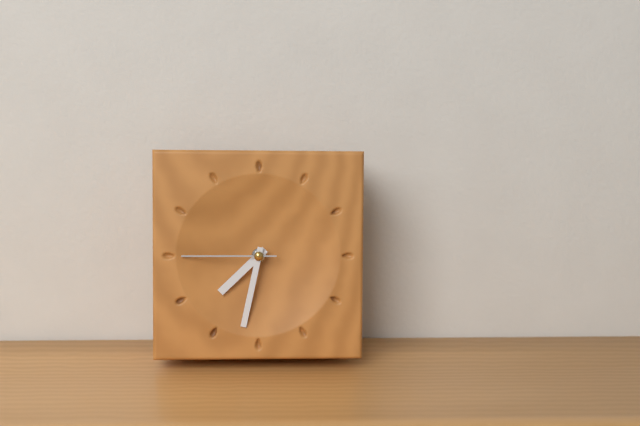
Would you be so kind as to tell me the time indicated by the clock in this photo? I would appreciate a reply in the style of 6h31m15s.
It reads 7h32m45s
